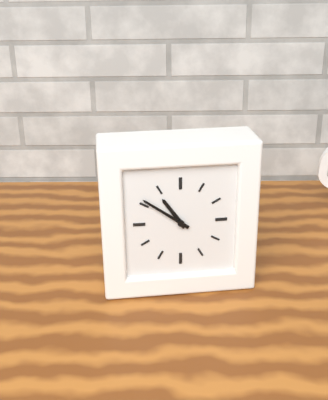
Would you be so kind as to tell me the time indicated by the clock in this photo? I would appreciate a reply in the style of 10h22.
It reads 10h51
